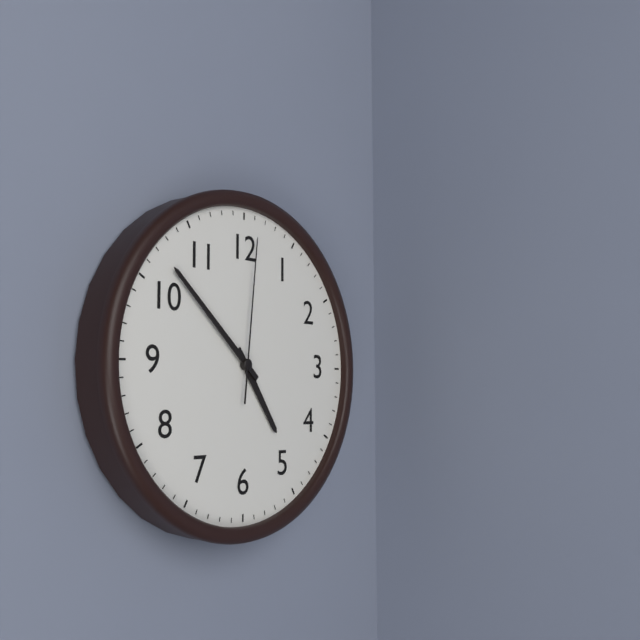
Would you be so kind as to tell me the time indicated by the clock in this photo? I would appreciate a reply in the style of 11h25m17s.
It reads 4h52m01s
